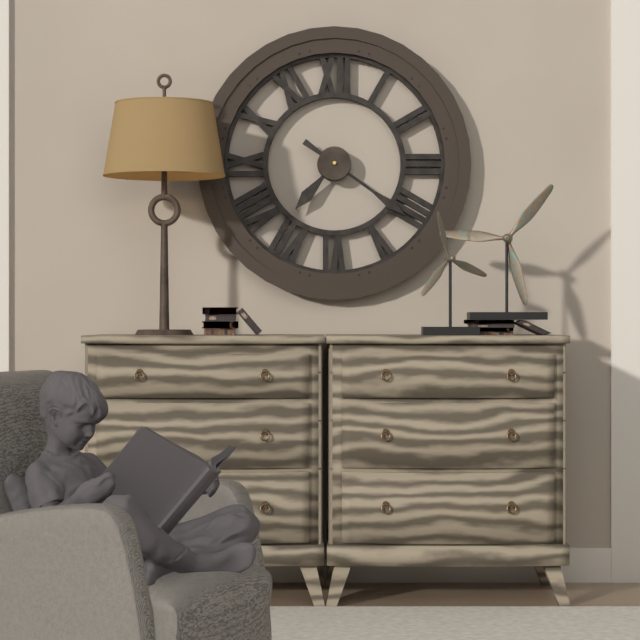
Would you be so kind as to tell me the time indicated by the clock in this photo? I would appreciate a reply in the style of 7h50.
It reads 7h21
